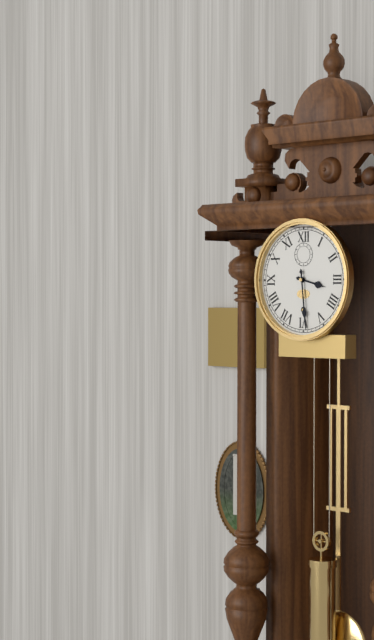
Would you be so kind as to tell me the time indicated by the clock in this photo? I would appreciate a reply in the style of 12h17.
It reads 3h29
